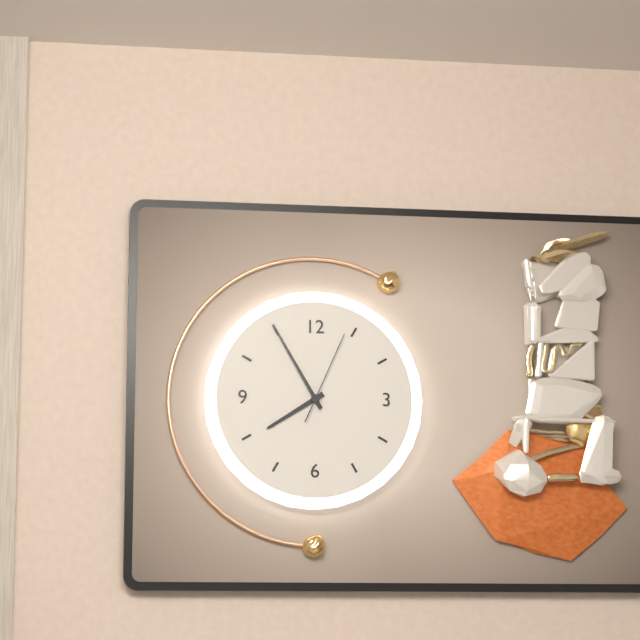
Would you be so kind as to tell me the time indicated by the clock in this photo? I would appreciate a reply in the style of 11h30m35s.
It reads 7h55m04s
